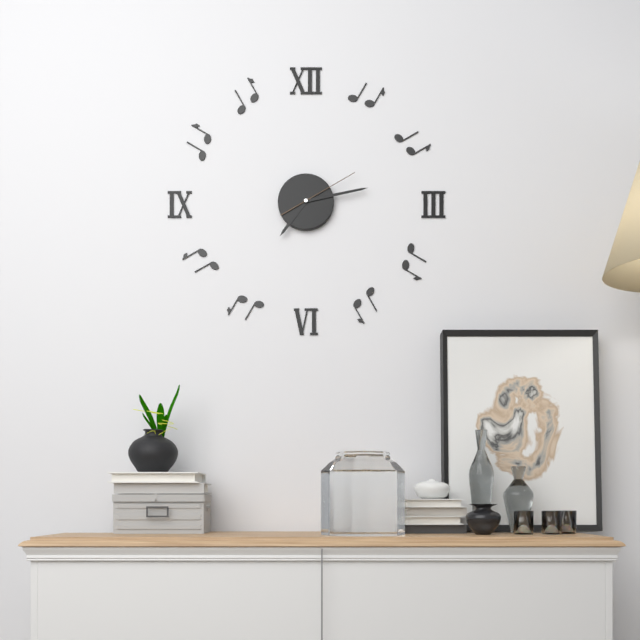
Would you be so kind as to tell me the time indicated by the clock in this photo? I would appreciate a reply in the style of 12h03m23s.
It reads 7h13m10s
